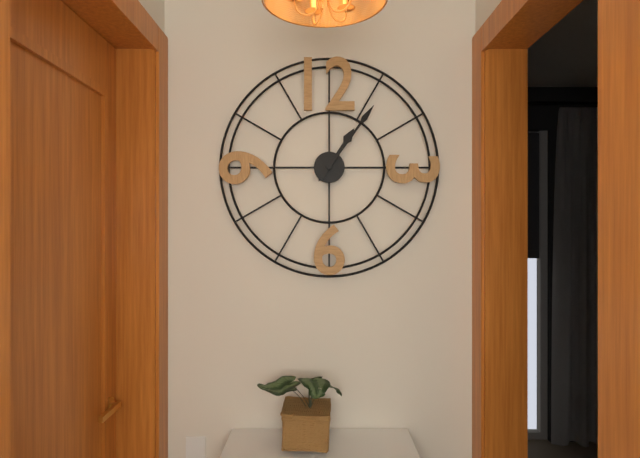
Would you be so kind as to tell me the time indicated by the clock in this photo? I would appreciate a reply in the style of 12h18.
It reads 1h06
